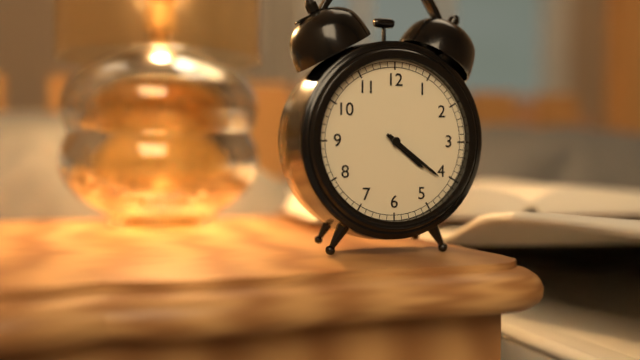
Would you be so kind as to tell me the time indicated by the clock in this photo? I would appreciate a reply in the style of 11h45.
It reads 4h21
